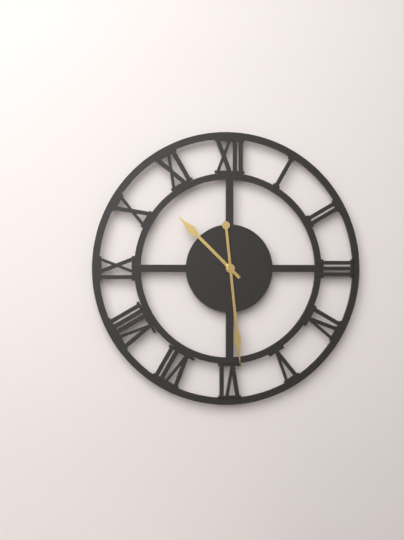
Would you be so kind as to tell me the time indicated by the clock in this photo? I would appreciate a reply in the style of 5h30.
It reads 10h29
